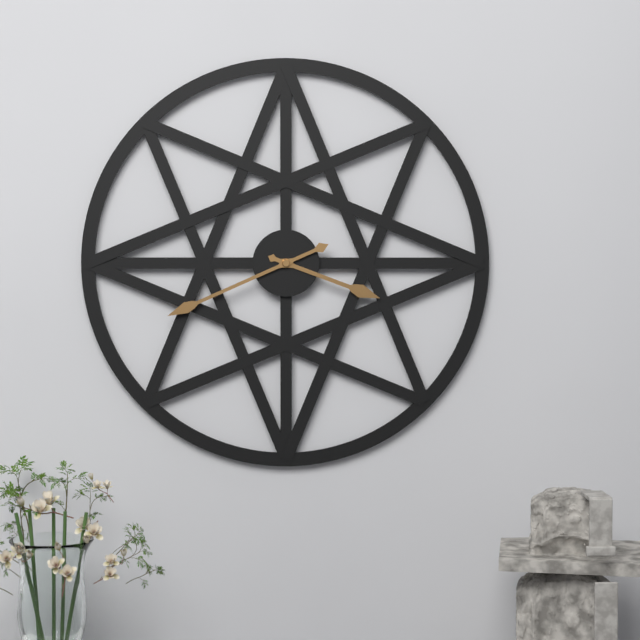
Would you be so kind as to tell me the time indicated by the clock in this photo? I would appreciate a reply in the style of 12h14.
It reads 3h41
